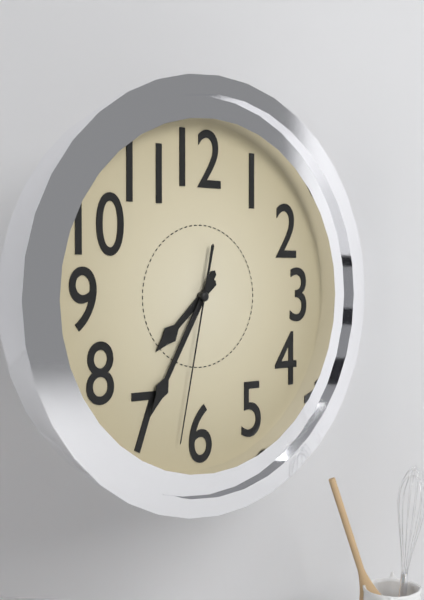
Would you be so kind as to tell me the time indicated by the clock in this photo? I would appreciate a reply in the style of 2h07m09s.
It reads 7h35m32s
